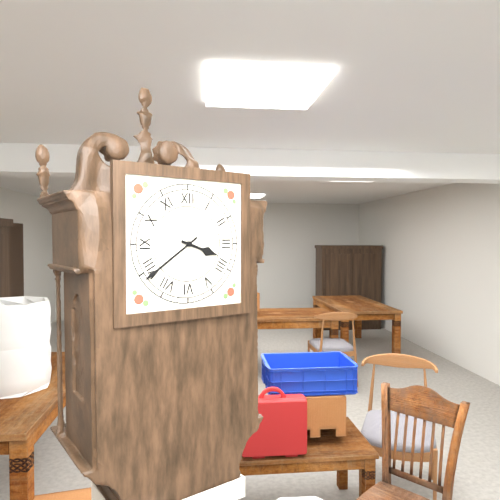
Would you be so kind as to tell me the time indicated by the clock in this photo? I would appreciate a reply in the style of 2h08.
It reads 3h39
